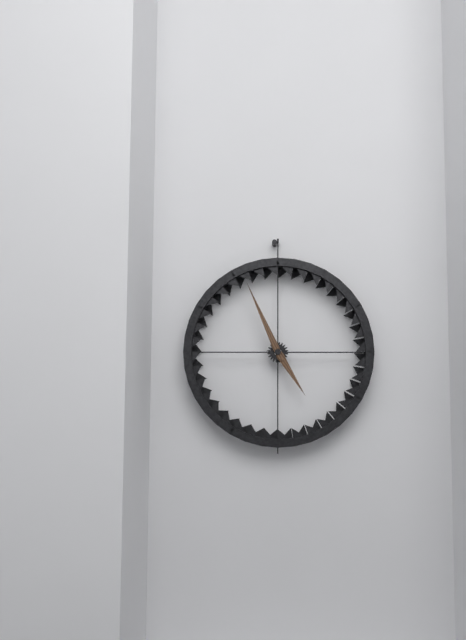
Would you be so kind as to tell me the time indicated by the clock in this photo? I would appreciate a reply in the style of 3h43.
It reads 4h56
